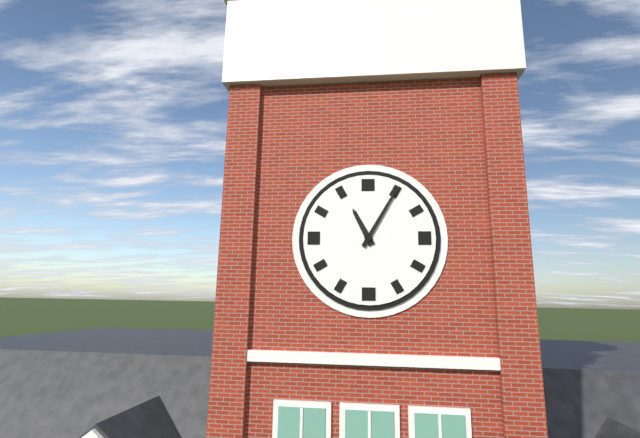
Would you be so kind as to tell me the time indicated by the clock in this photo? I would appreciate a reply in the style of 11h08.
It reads 11h05
